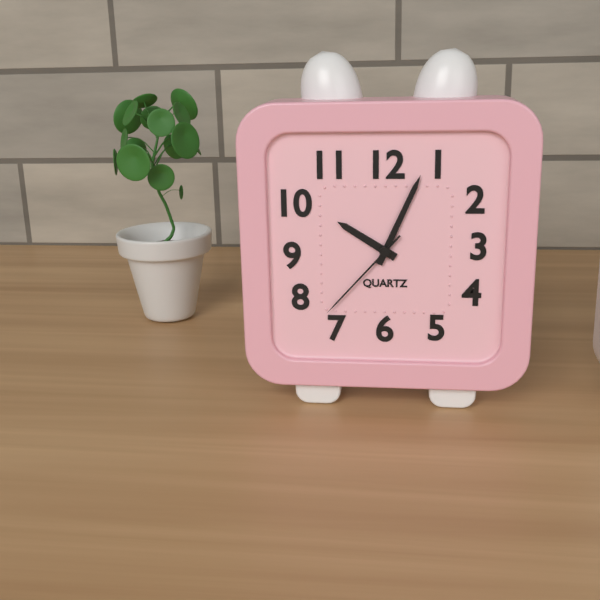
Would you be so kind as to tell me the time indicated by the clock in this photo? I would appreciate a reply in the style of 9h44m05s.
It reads 10h04m37s
